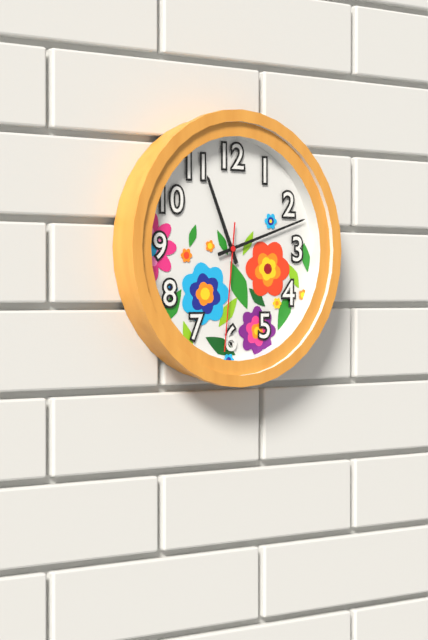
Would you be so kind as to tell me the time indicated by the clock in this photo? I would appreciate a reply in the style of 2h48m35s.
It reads 11h12m31s
